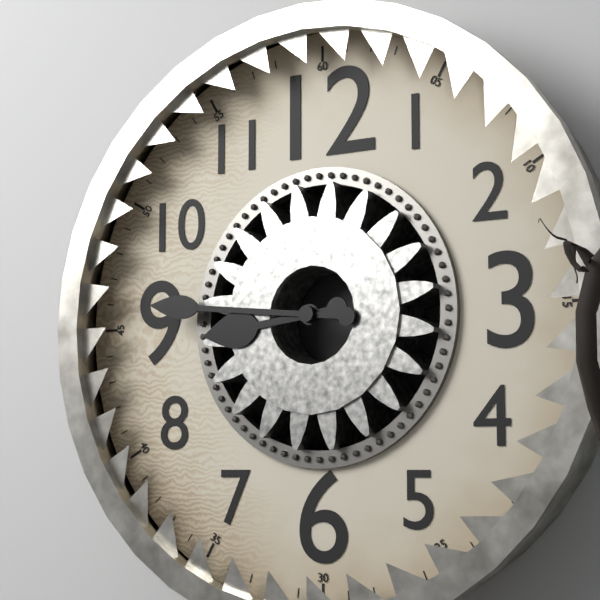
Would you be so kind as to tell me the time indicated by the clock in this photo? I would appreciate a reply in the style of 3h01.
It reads 8h46
